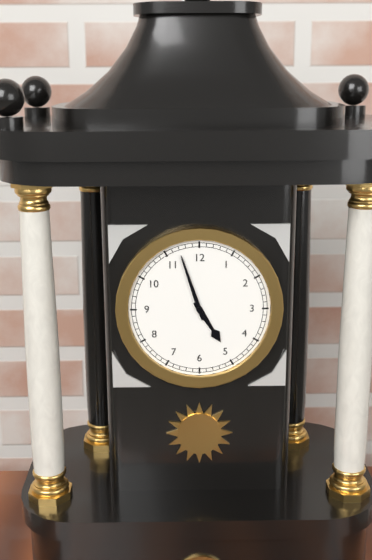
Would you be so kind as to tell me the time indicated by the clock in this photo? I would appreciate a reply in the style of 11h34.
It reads 4h57
